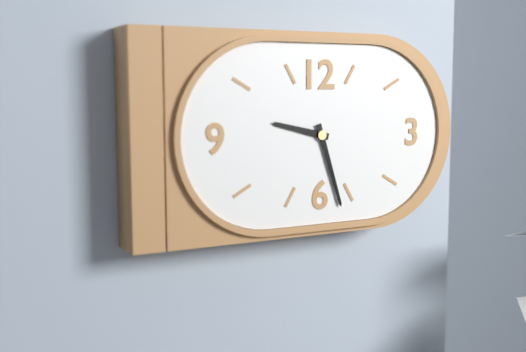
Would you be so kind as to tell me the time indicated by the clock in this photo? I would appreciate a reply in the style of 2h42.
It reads 9h27
